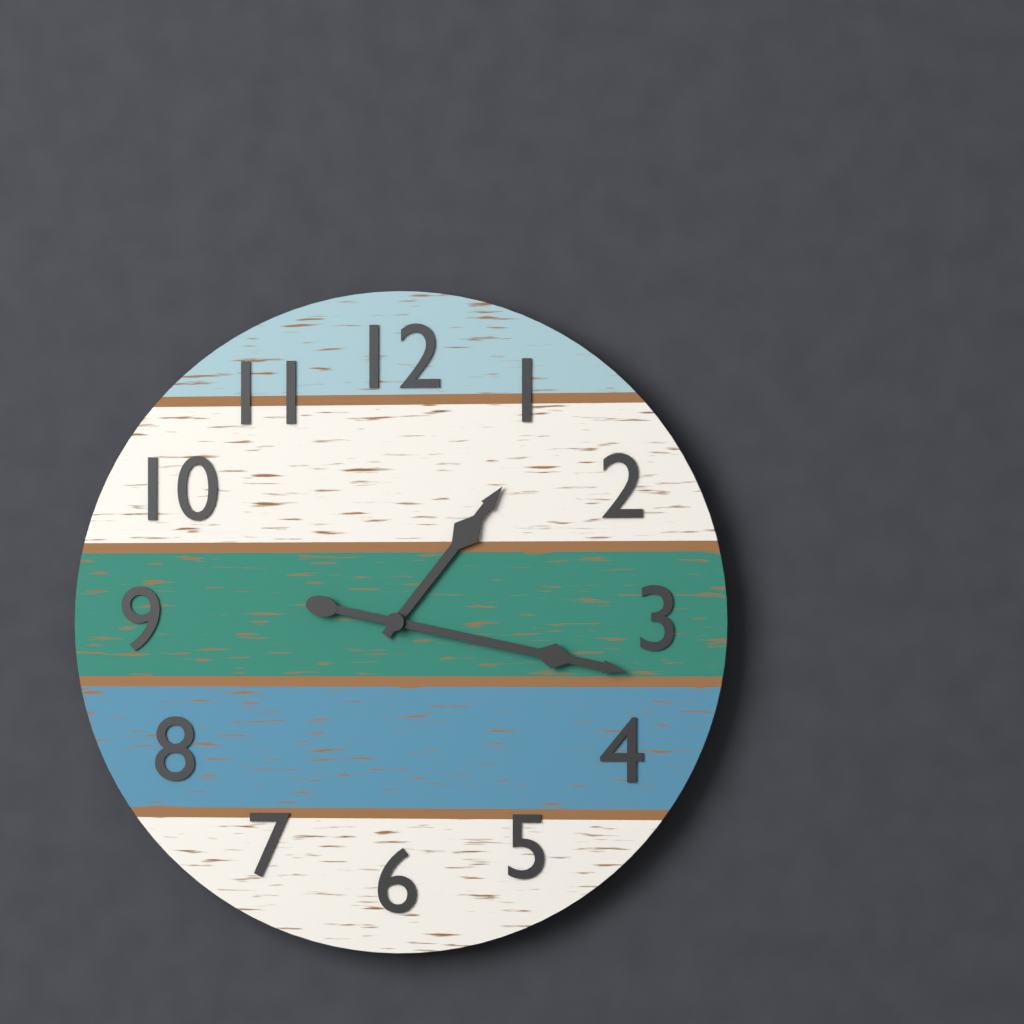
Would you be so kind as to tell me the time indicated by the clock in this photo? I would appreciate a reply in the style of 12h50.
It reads 1h17
